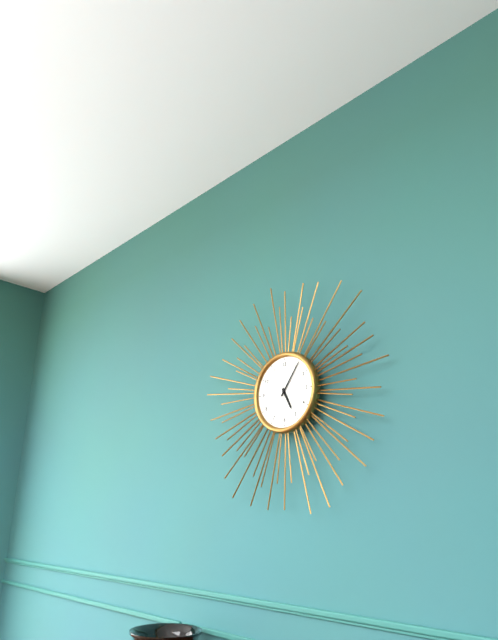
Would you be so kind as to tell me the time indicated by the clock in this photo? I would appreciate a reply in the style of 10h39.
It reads 5h06
